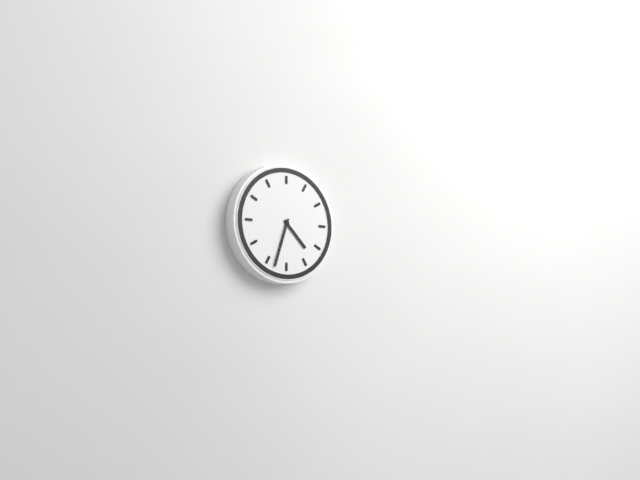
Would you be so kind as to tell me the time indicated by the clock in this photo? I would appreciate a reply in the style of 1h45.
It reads 4h33
